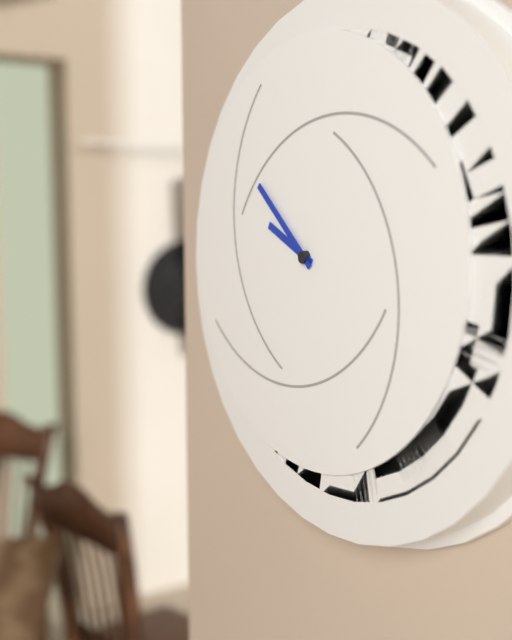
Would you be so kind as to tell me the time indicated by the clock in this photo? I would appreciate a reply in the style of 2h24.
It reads 9h52
